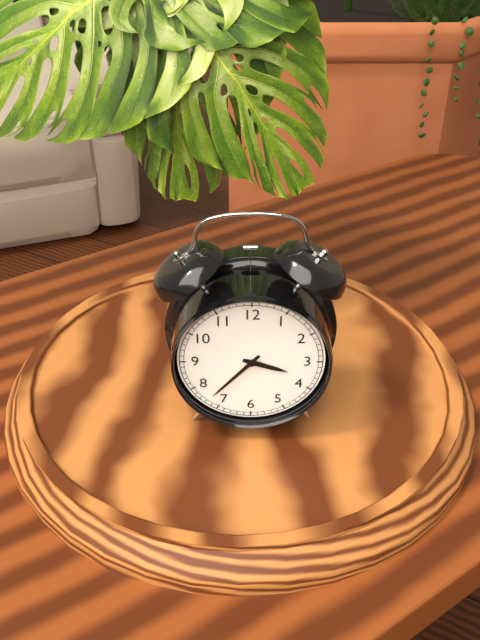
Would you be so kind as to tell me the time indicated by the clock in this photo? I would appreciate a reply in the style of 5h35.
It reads 3h37
